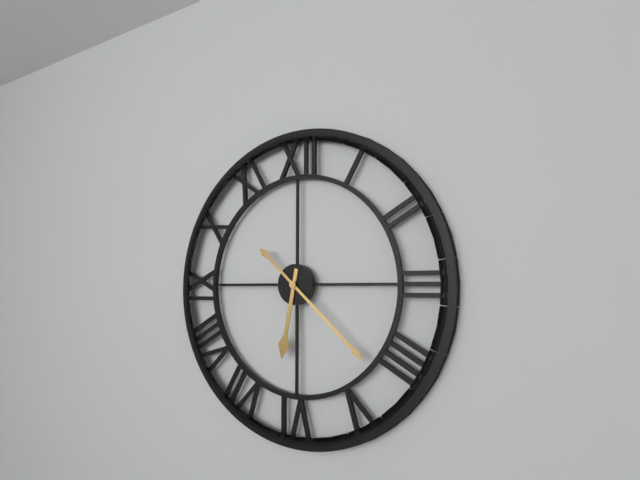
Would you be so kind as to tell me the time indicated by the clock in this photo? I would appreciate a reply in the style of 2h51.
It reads 6h22
